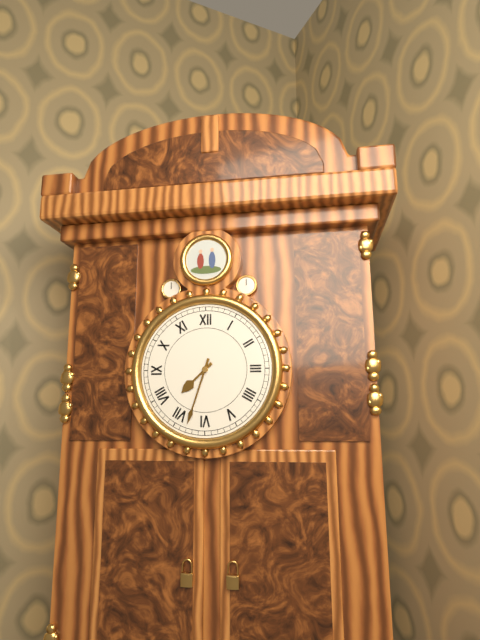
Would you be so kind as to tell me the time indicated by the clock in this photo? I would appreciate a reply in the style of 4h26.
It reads 7h33
